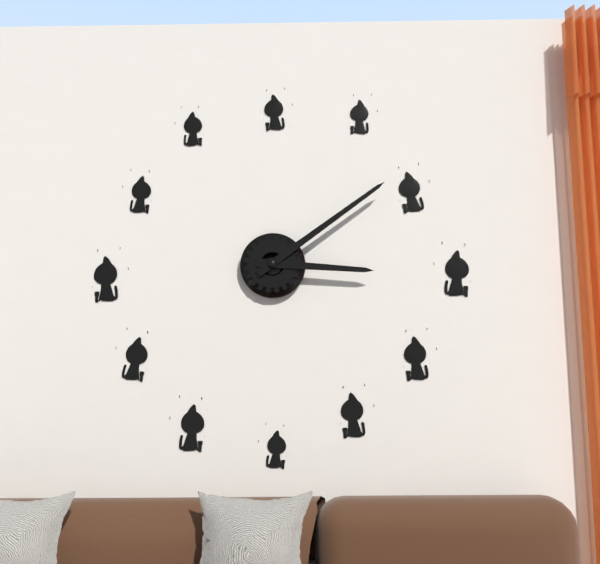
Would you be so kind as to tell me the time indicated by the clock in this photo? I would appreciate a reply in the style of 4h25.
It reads 3h09
